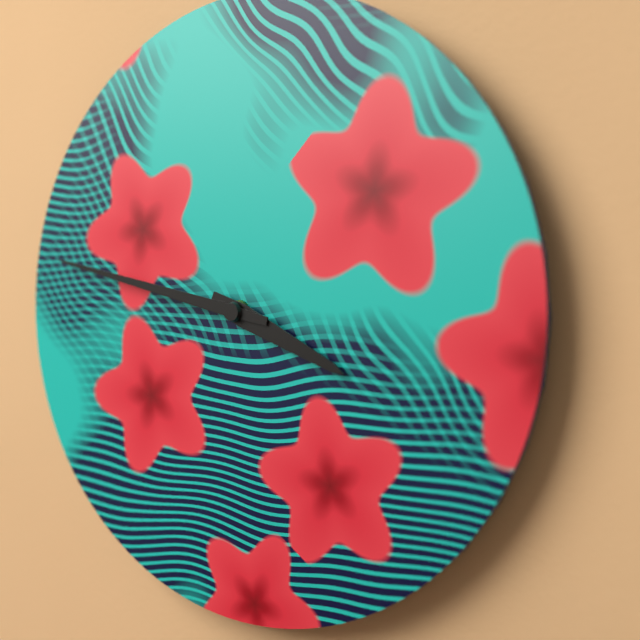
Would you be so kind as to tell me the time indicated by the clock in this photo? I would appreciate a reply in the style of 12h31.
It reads 3h47
